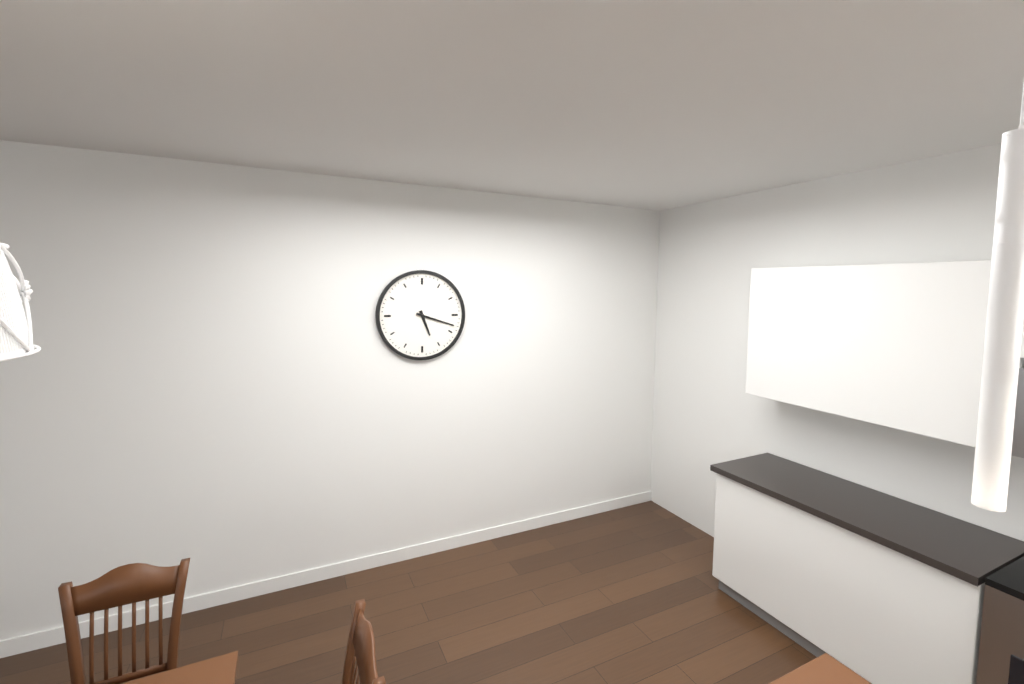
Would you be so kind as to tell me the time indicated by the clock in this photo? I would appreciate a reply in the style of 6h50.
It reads 5h18
